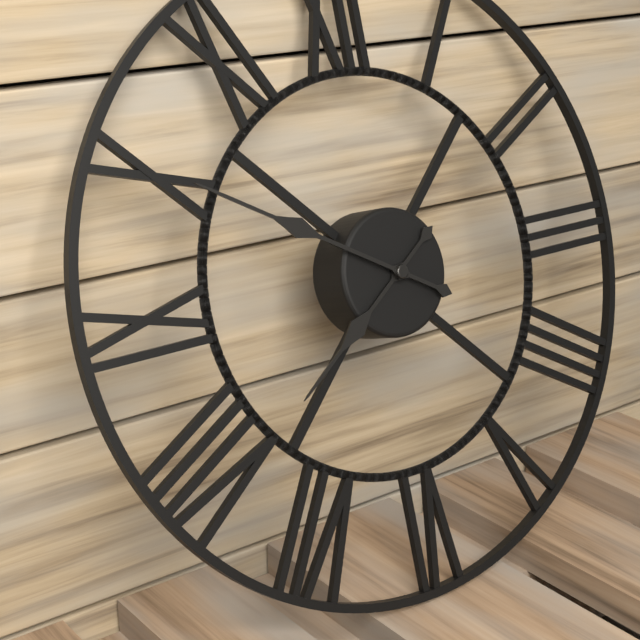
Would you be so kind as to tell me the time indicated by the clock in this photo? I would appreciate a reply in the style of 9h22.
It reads 7h50
